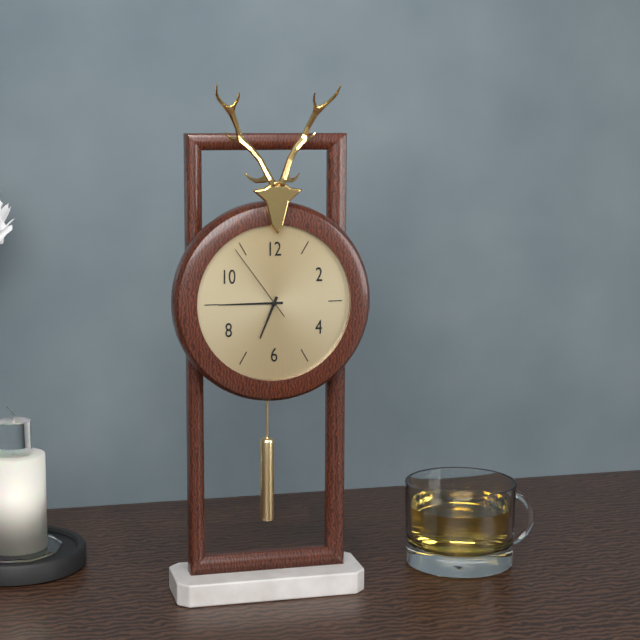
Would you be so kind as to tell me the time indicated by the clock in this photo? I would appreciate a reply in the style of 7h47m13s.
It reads 6h45m54s
